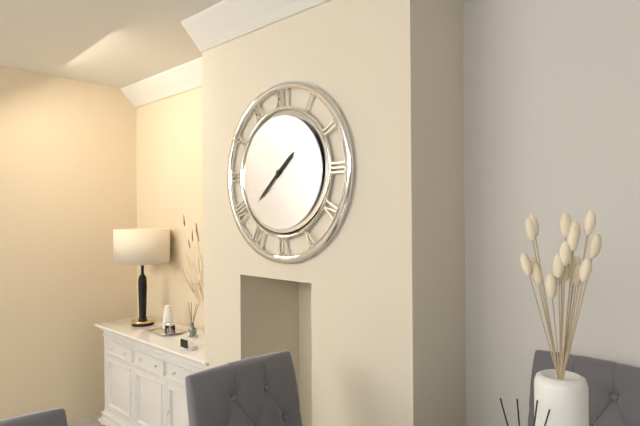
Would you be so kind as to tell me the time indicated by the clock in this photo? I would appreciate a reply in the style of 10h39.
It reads 1h38
